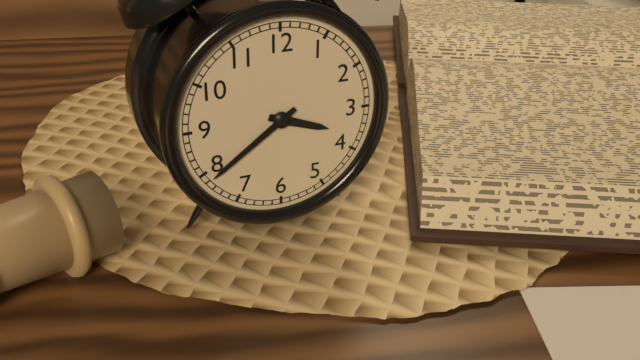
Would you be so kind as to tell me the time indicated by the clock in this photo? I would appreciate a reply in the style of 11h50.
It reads 3h39
